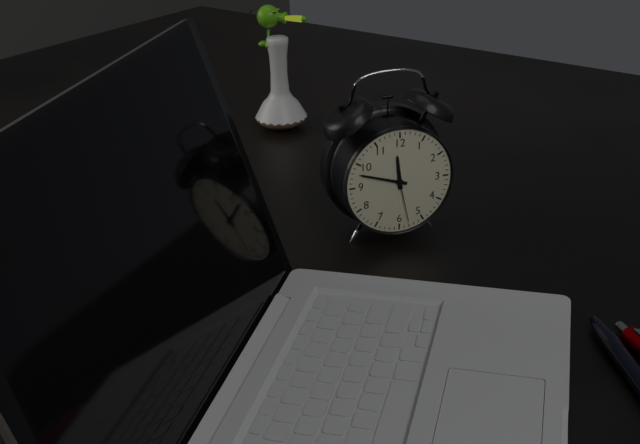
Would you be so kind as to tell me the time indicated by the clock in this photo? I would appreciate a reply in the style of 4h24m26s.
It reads 11h48m28s
